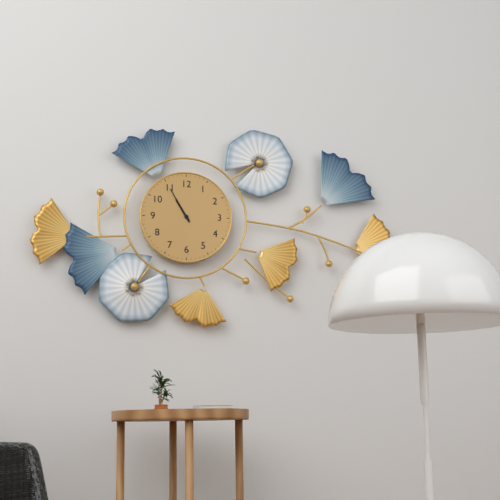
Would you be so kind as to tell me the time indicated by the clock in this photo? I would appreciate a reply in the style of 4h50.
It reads 10h55
